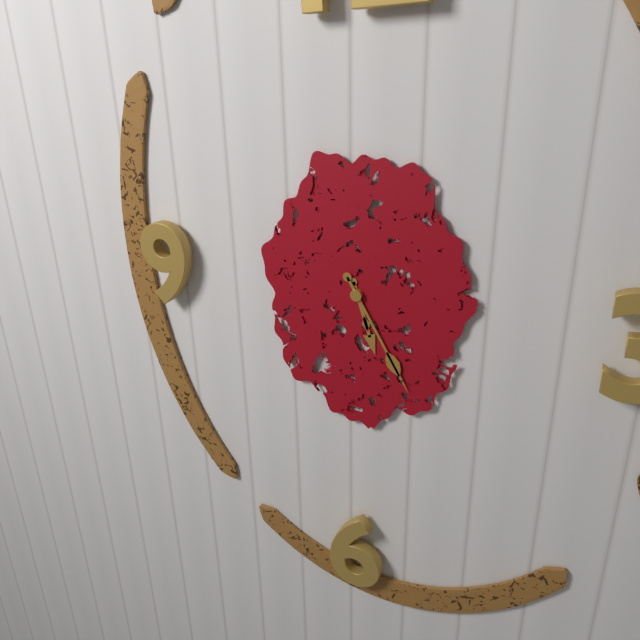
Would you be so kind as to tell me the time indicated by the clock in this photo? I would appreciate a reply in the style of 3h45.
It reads 5h25
